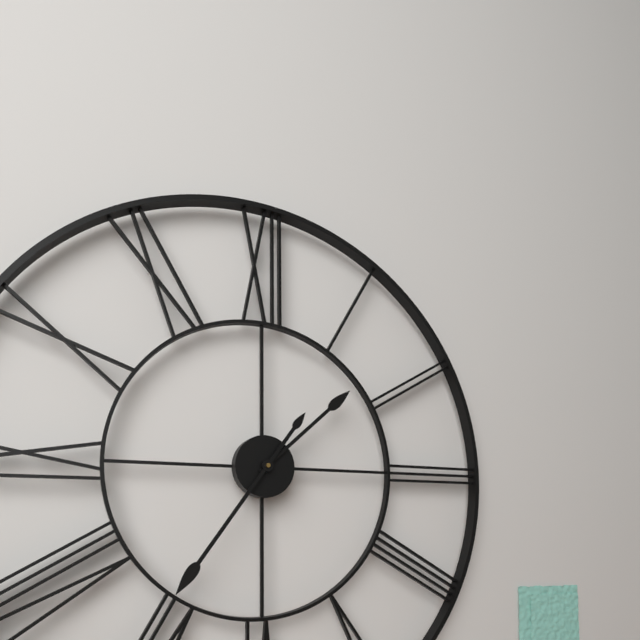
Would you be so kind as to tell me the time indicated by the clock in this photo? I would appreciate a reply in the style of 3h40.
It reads 1h36
